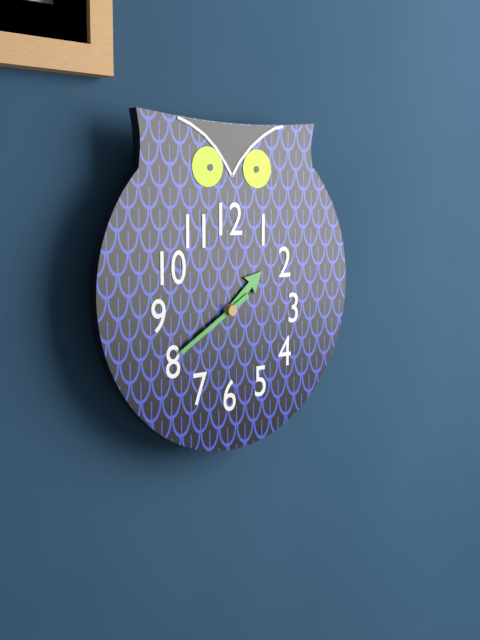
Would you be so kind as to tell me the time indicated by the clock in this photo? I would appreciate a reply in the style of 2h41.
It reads 1h40
